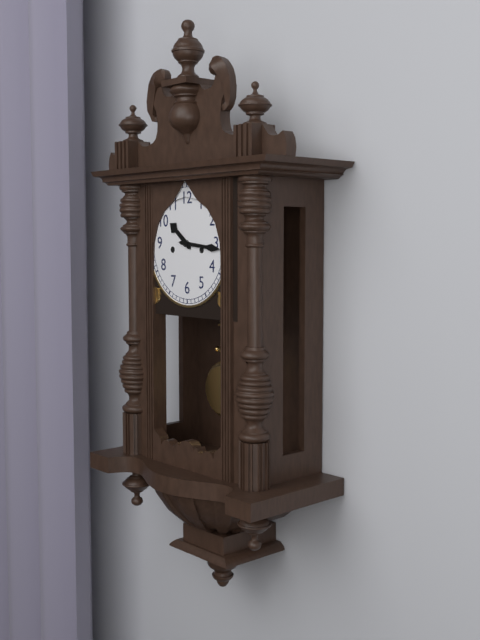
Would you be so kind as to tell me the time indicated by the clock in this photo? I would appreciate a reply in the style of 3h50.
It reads 10h16
